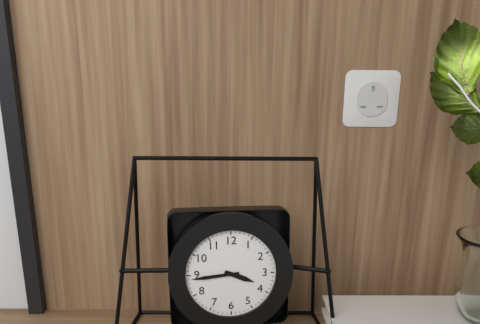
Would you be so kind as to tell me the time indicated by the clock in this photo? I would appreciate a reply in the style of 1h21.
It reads 3h44
